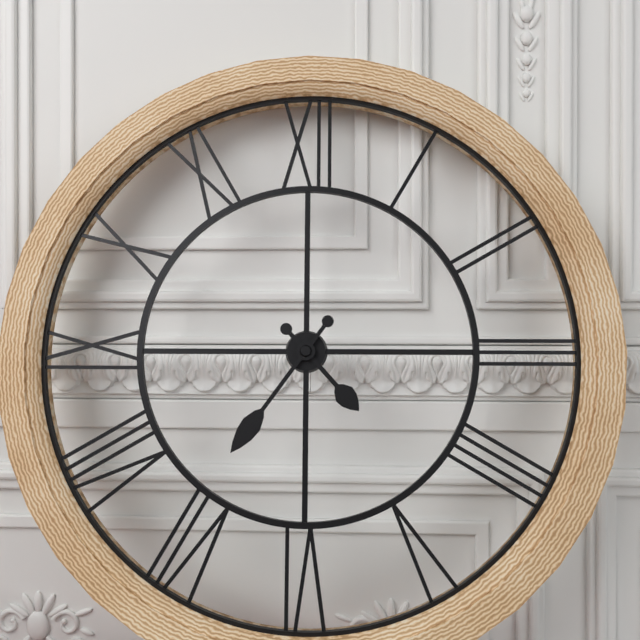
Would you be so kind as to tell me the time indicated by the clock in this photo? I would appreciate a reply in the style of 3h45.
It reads 4h36
